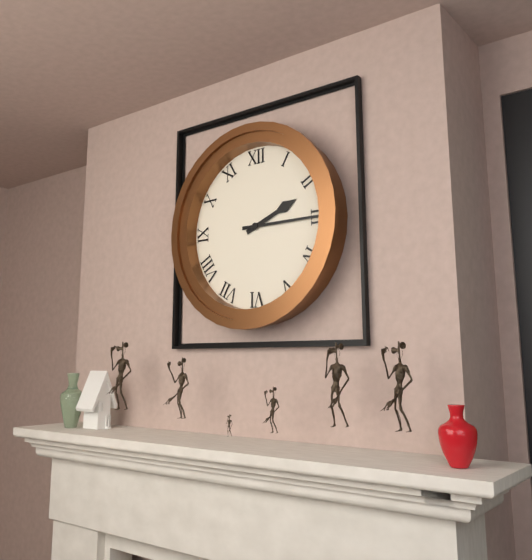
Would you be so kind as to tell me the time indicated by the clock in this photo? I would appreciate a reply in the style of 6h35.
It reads 2h15
